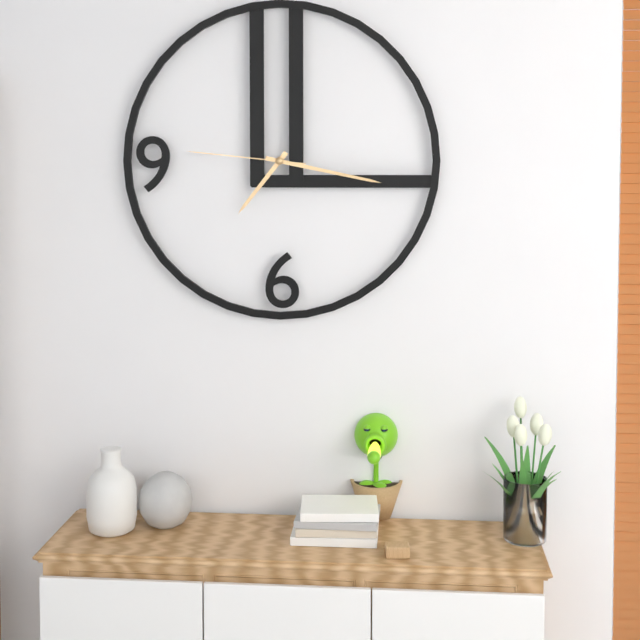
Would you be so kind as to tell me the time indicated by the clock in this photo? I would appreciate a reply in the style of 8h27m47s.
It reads 7h17m46s
